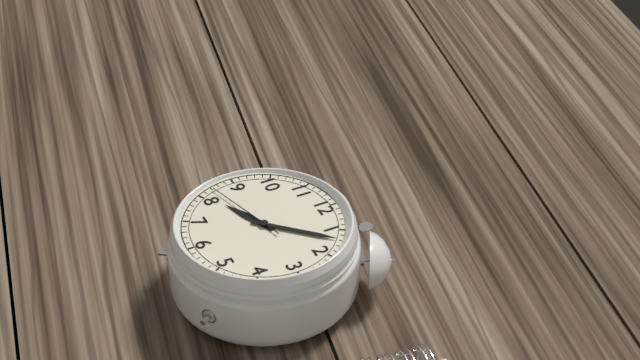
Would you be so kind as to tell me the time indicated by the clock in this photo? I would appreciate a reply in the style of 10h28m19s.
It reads 8h07m42s
